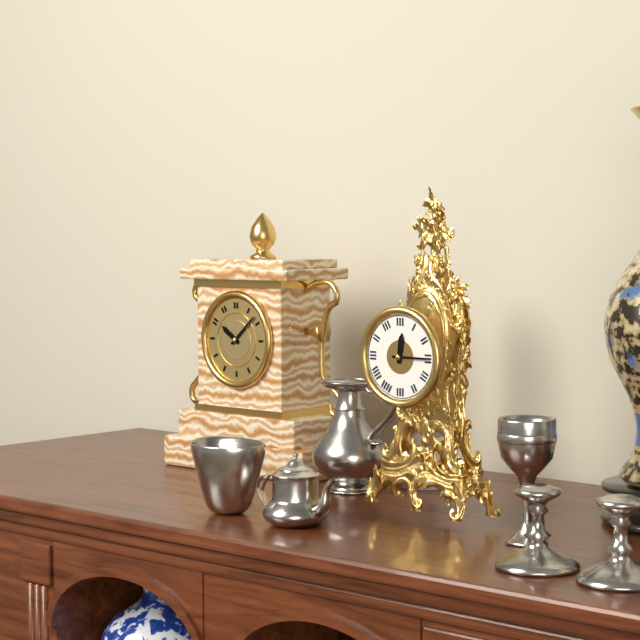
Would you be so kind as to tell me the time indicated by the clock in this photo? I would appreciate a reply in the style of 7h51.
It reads 12h15
